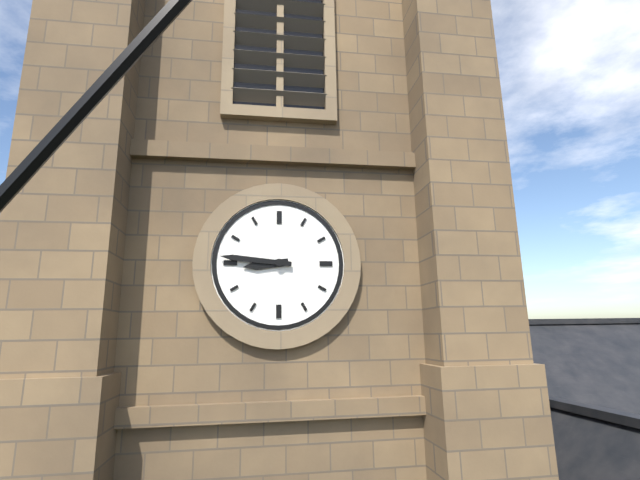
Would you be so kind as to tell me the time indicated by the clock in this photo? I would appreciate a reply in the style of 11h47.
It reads 8h46
